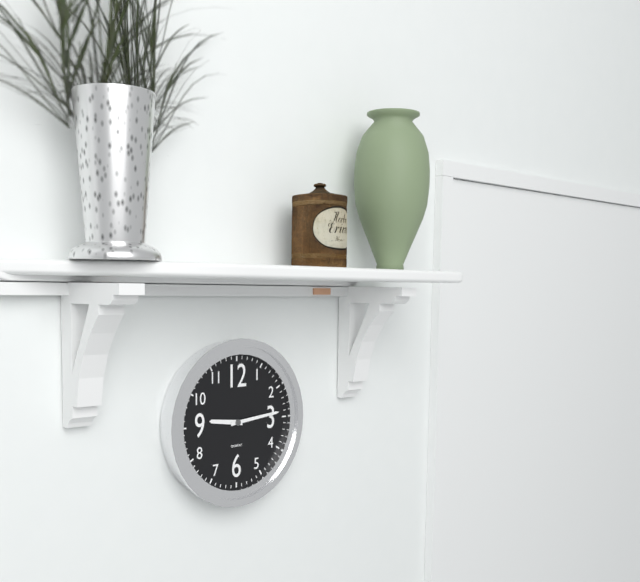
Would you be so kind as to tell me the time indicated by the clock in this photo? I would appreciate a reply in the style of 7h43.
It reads 9h14
